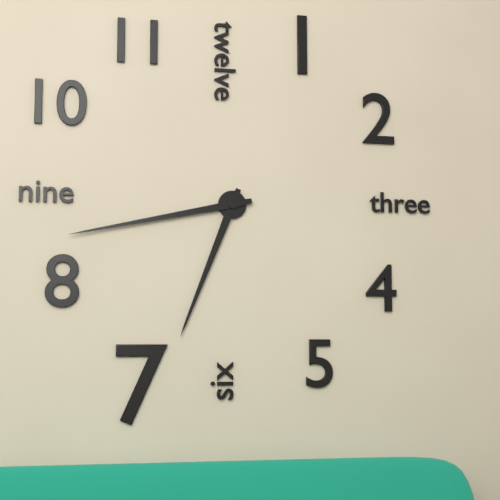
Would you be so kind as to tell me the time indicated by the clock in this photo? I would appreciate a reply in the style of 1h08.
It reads 6h43
